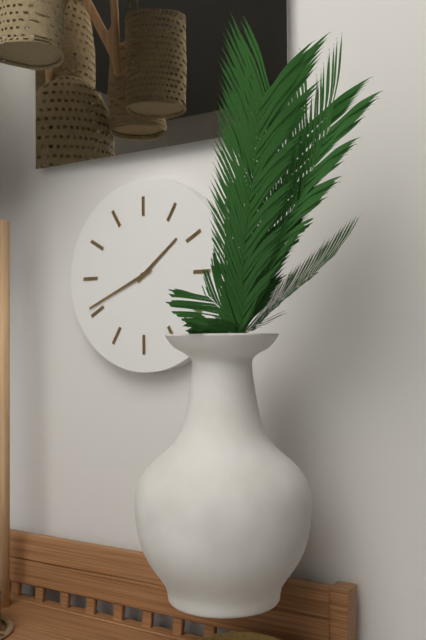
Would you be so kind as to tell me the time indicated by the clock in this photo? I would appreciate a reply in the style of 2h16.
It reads 1h41
